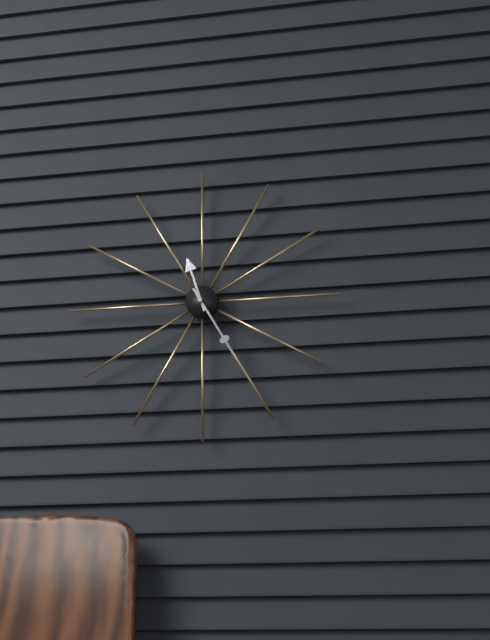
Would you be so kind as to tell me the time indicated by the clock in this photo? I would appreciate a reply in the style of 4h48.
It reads 11h25
